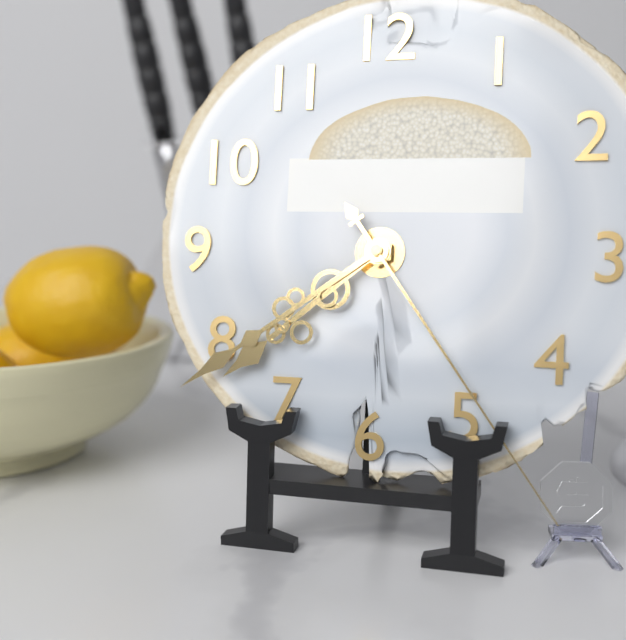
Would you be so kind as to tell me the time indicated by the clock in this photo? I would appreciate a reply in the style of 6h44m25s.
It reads 7h39m24s
